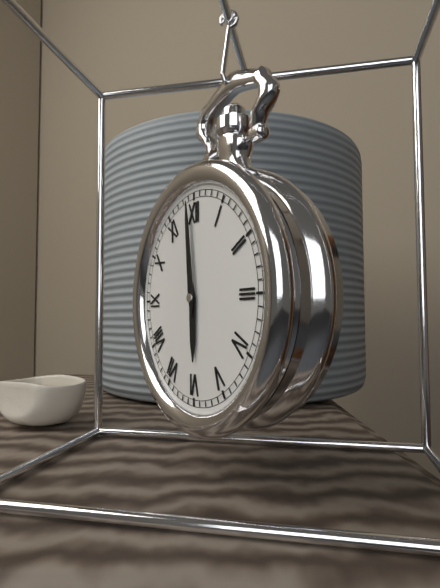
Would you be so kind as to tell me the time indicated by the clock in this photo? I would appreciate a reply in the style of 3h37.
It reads 5h59
